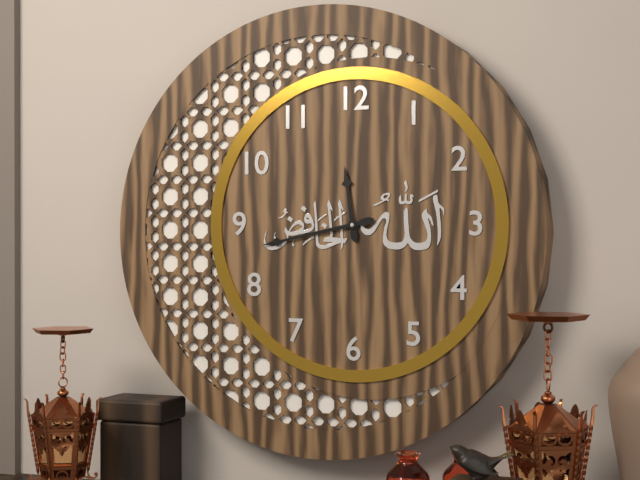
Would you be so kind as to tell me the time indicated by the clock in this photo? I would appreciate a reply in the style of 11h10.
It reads 11h43
